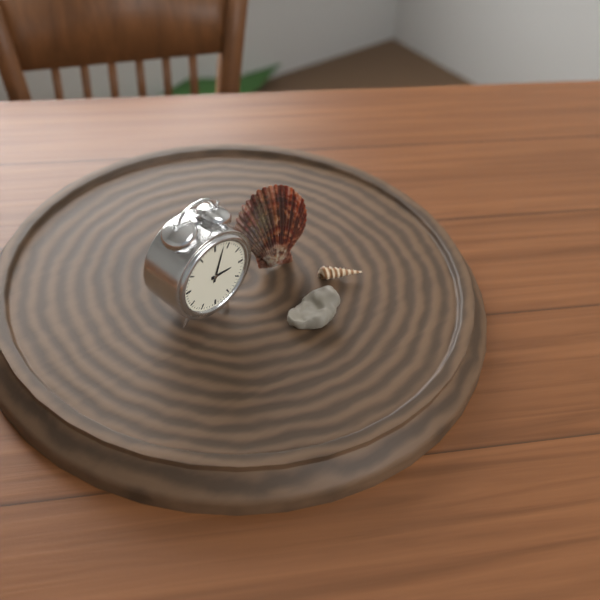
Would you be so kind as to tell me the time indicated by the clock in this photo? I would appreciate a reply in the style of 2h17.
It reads 3h03
